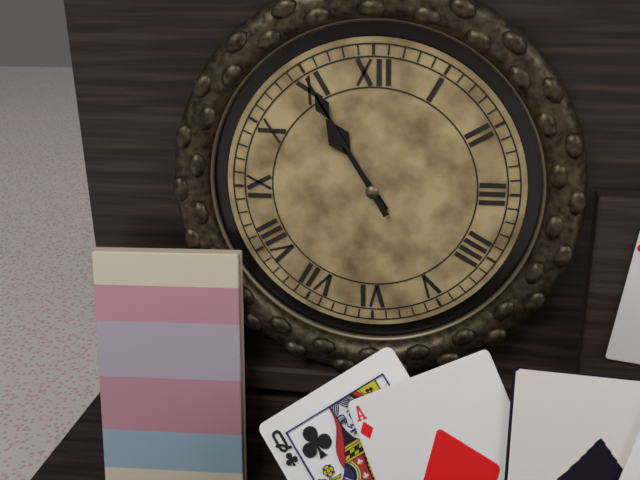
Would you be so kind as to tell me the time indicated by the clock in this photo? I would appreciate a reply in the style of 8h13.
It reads 10h55
